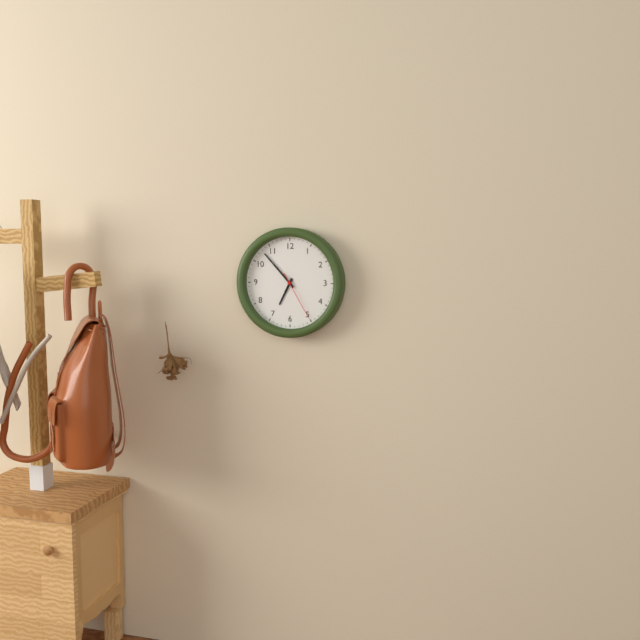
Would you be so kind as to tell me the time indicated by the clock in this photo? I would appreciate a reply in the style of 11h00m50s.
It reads 6h53m25s
